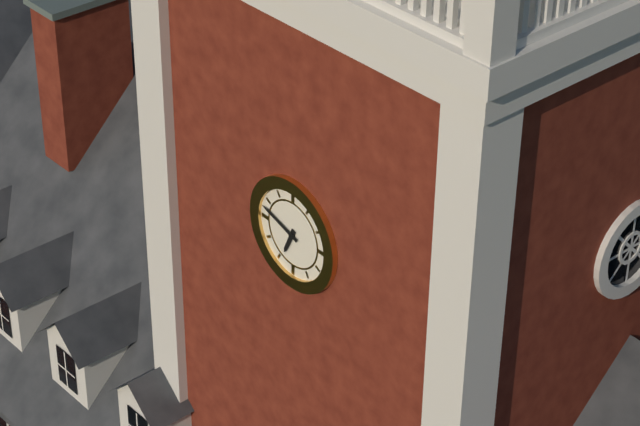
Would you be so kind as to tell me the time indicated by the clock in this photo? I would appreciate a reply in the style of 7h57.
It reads 6h48
